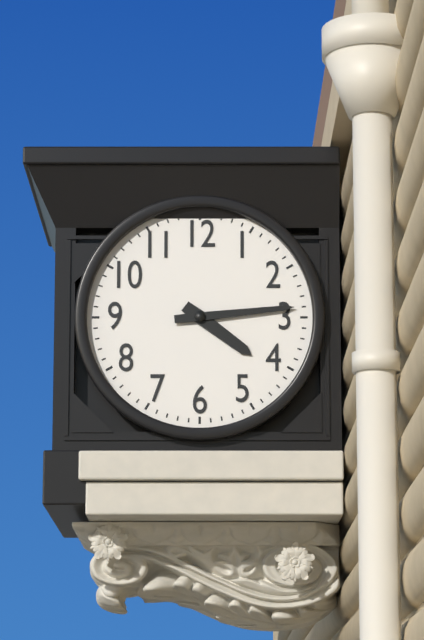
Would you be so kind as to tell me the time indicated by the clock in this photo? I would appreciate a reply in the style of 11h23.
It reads 4h14
